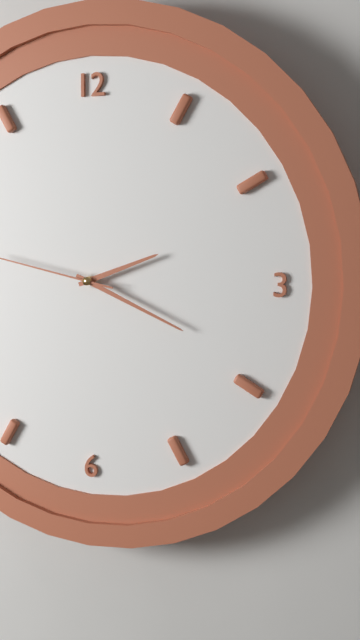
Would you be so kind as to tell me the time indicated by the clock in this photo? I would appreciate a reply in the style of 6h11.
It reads 2h19
